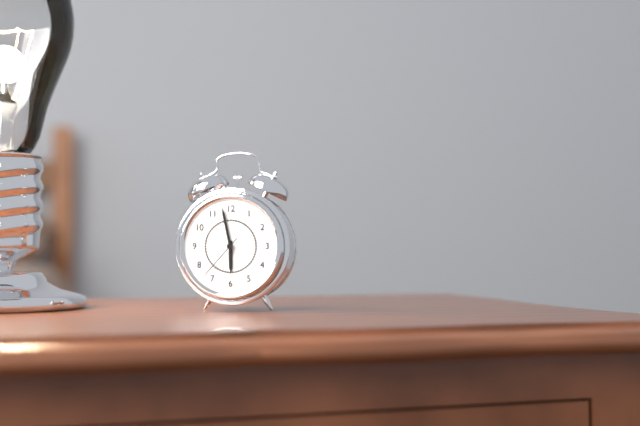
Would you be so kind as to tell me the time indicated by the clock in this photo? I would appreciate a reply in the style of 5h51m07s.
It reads 5h58m37s
